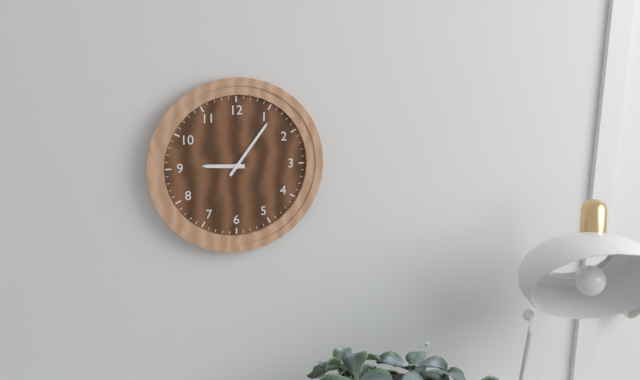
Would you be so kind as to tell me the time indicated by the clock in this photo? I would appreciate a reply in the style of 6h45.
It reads 9h06
